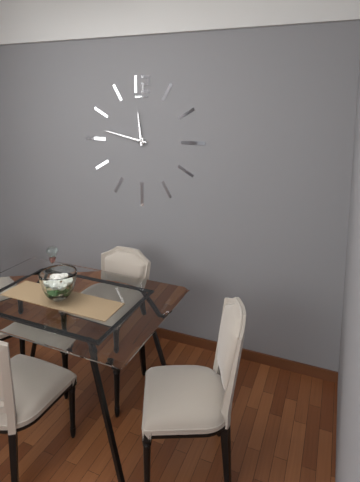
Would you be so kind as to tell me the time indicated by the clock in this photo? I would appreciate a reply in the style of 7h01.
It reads 11h47
